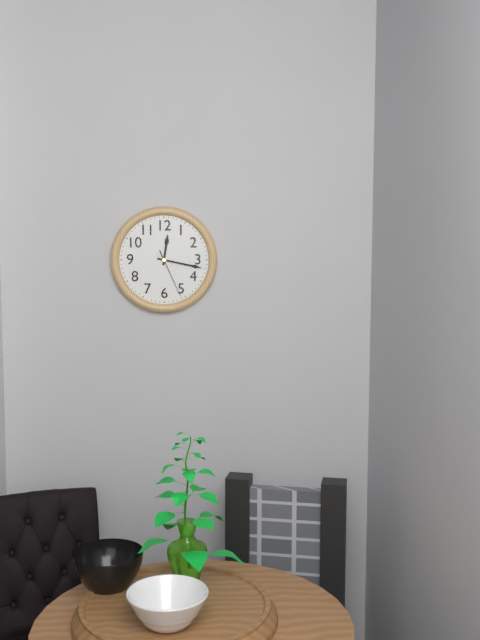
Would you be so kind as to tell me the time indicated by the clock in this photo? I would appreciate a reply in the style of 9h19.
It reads 12h17
